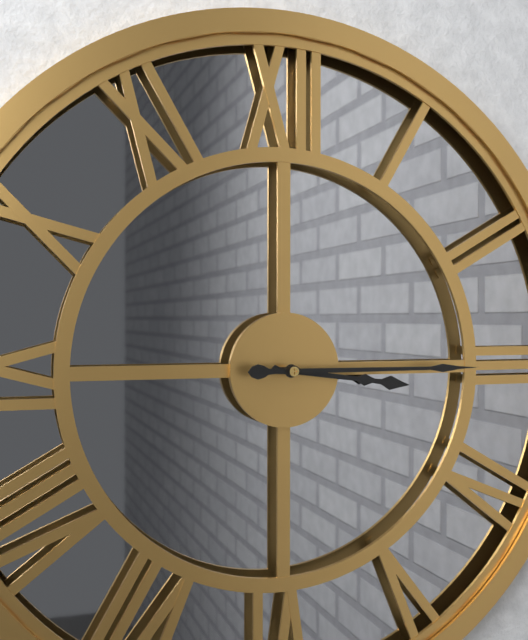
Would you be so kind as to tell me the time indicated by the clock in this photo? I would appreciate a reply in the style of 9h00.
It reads 3h15
